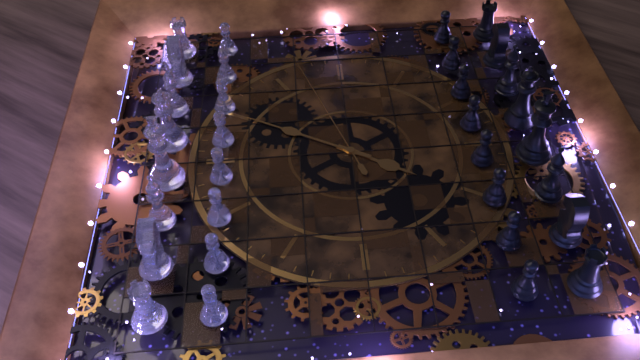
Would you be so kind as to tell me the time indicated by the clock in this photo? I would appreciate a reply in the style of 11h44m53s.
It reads 7h05m12s
